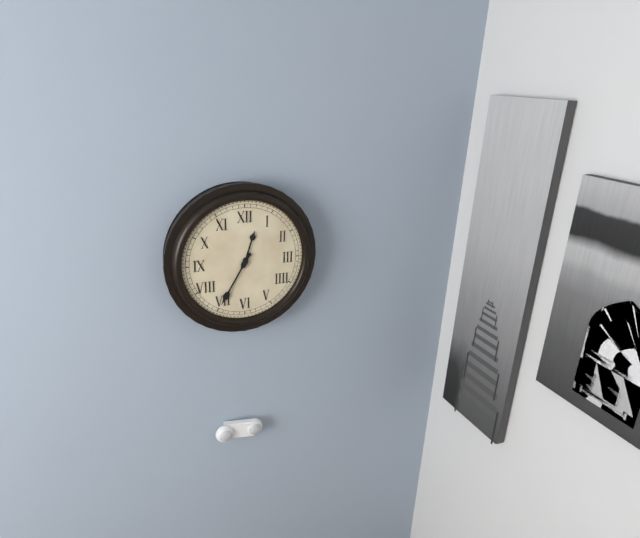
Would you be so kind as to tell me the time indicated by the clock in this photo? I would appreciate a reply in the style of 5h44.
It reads 12h35
